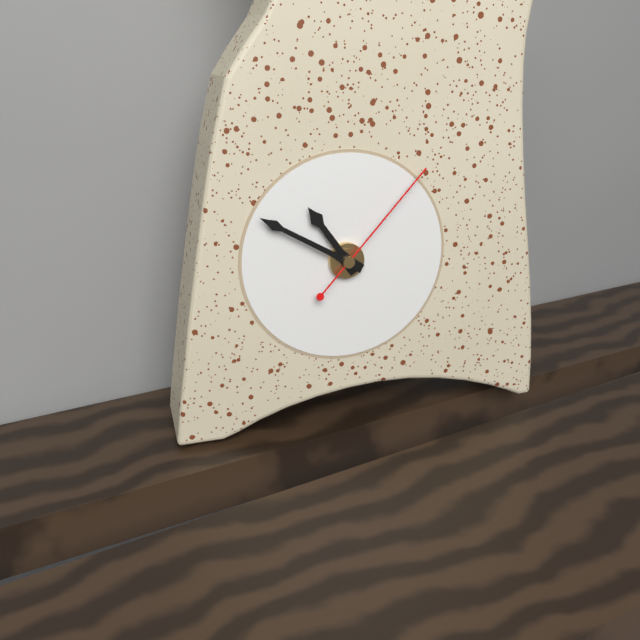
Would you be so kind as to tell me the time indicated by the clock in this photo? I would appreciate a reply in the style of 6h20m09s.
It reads 10h50m07s
